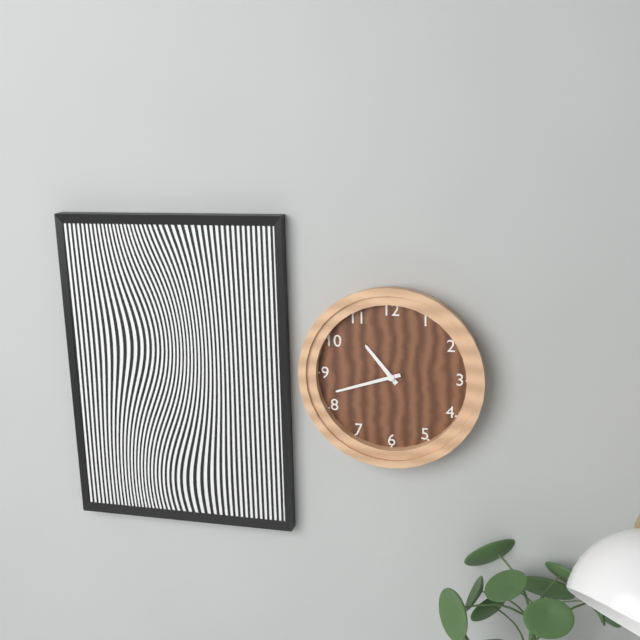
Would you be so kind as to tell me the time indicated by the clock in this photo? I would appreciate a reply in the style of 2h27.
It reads 10h42
